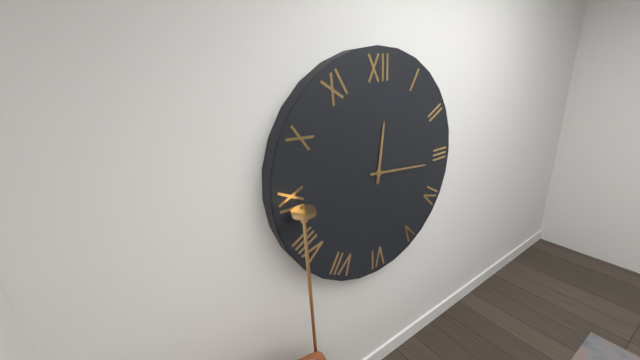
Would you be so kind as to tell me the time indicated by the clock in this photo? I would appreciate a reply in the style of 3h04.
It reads 12h16
